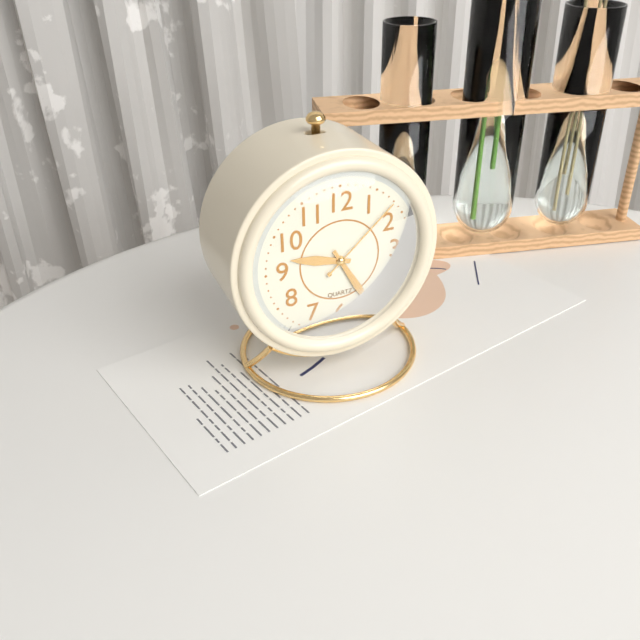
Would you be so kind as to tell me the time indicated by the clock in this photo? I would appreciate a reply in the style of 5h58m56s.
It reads 9h25m08s
